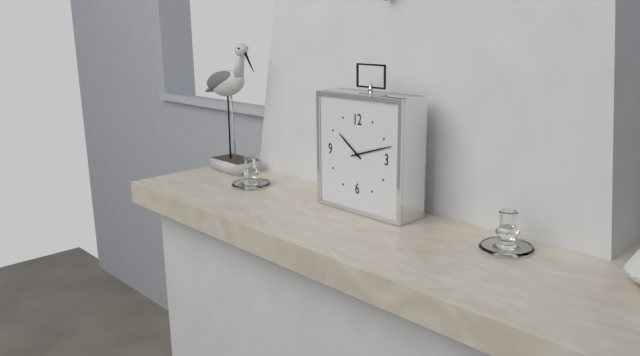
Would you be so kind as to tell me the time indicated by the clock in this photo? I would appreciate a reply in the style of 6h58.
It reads 10h12
